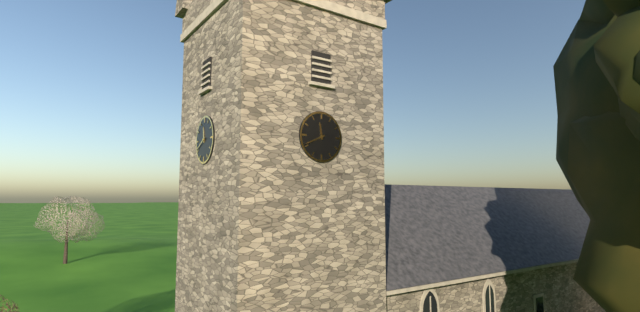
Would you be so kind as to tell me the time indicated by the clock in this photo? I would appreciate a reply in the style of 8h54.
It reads 11h41
